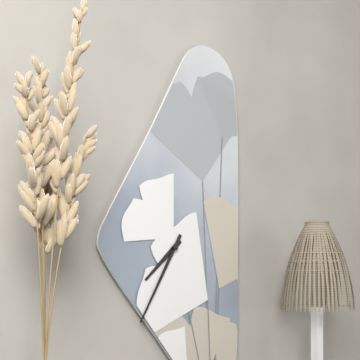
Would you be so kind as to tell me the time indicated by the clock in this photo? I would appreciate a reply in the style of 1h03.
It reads 7h35
